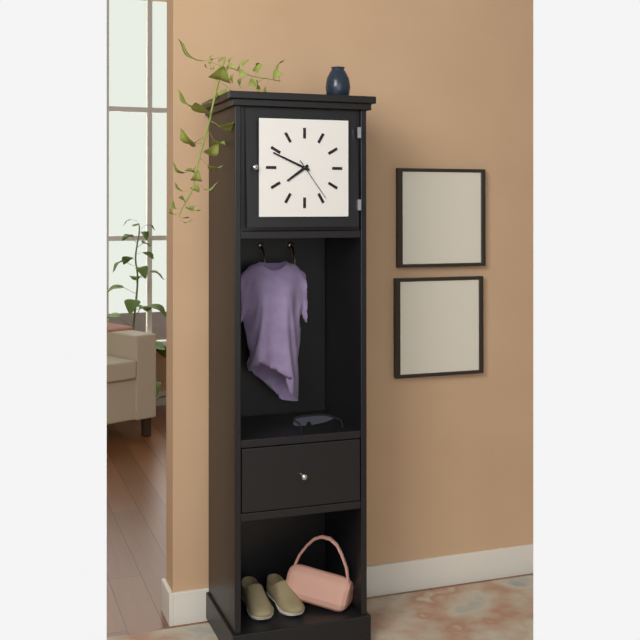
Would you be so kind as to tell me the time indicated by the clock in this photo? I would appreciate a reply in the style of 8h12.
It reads 7h49
